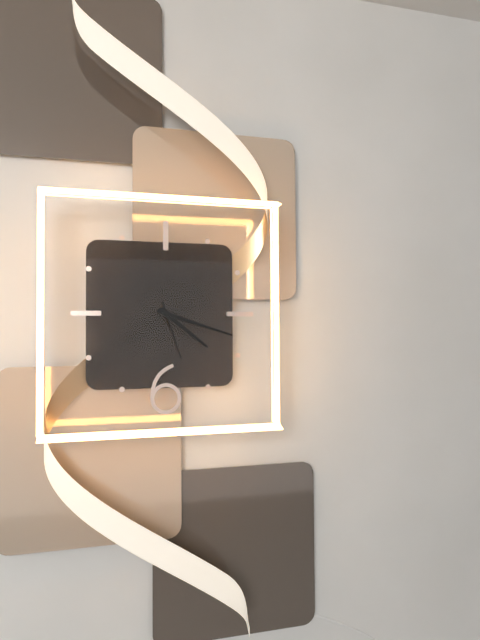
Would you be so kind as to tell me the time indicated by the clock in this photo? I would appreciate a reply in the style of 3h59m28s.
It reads 4h18m27s
